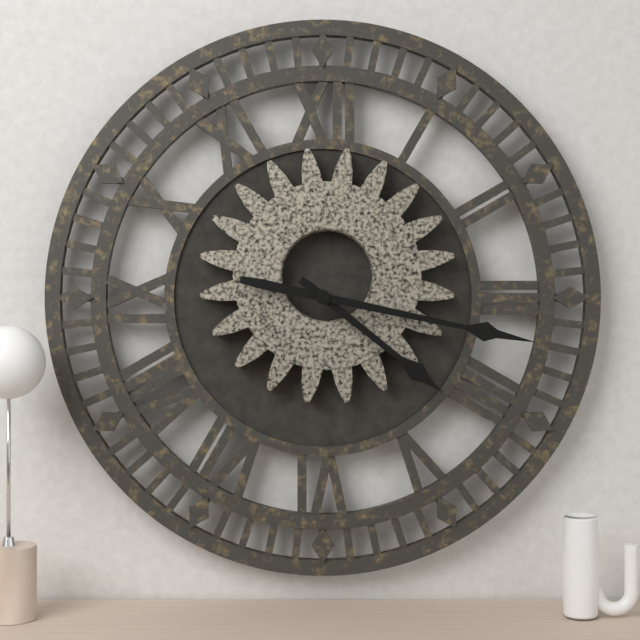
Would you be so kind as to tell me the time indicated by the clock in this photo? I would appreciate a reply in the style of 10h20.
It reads 4h17
